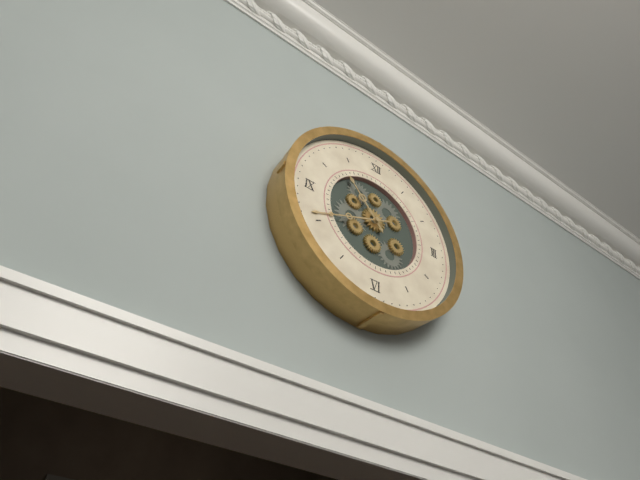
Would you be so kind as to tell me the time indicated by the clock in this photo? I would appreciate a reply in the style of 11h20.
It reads 10h41
